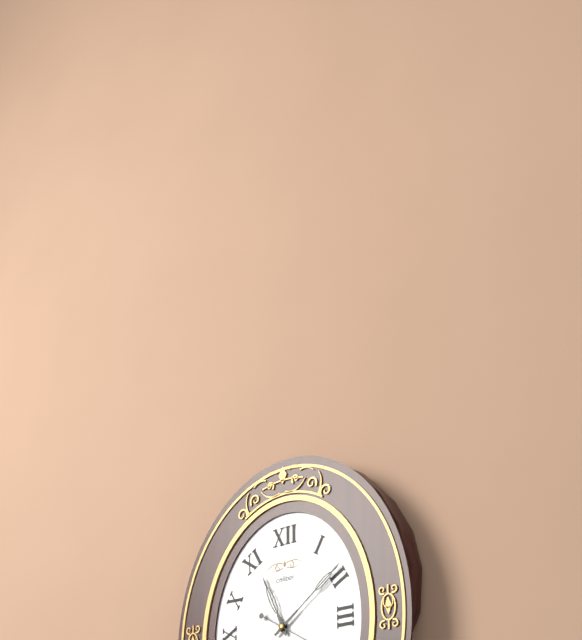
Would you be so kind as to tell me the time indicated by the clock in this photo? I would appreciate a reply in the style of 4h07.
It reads 11h09
